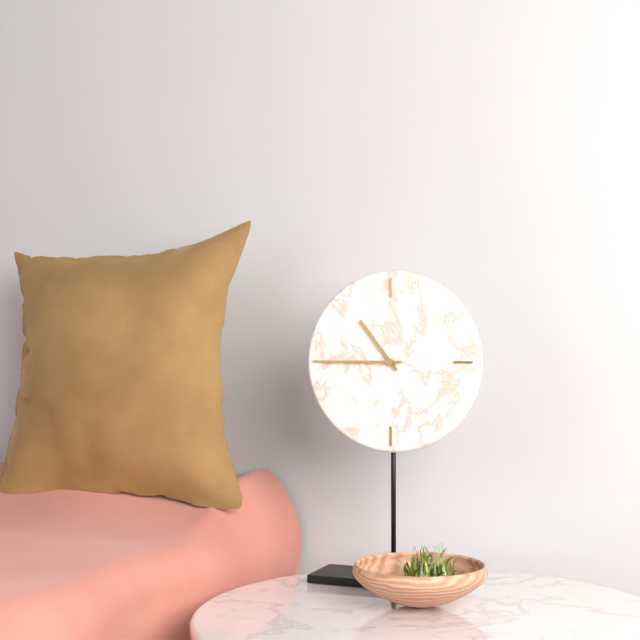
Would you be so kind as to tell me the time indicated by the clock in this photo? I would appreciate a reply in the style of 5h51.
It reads 10h45
